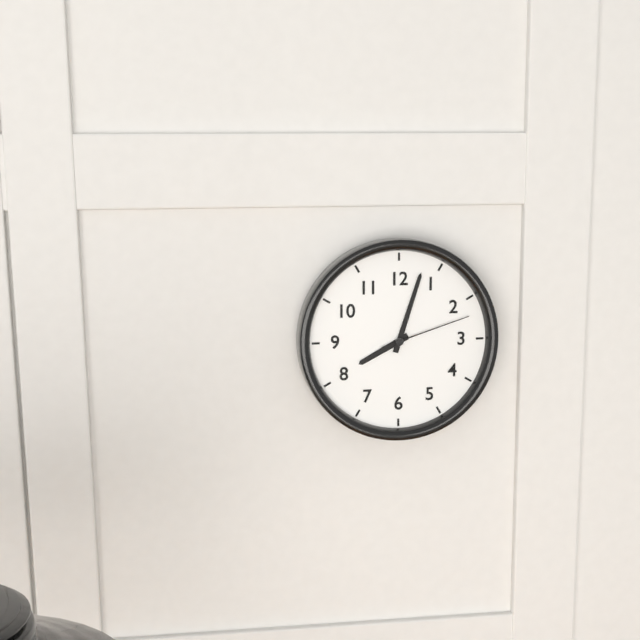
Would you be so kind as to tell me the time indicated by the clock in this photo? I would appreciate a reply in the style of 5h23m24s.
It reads 8h03m12s
